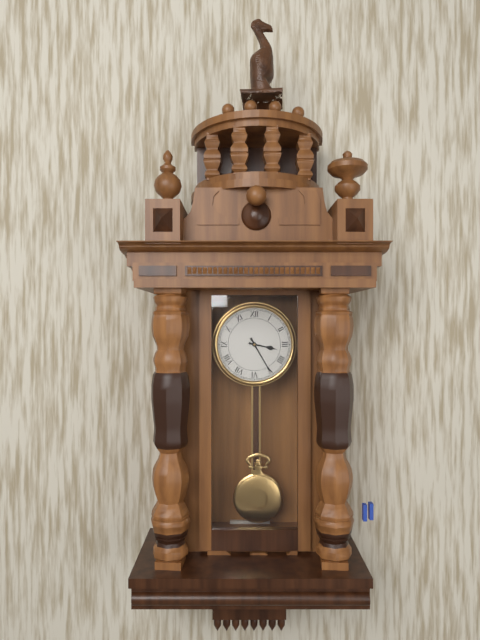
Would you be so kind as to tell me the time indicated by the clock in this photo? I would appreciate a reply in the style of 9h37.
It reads 3h25
